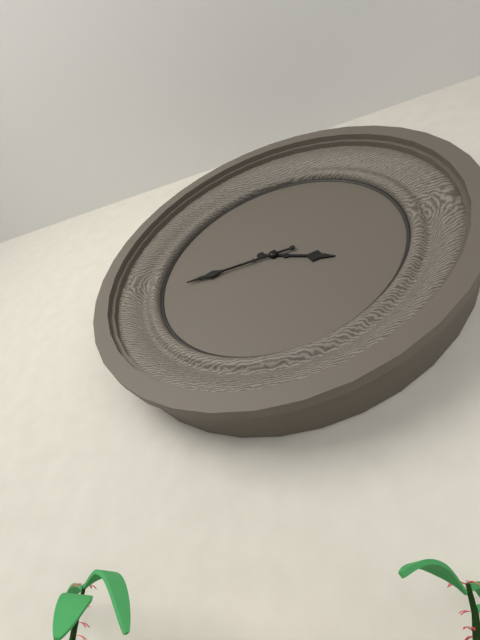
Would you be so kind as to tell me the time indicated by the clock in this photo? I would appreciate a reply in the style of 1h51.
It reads 3h44
